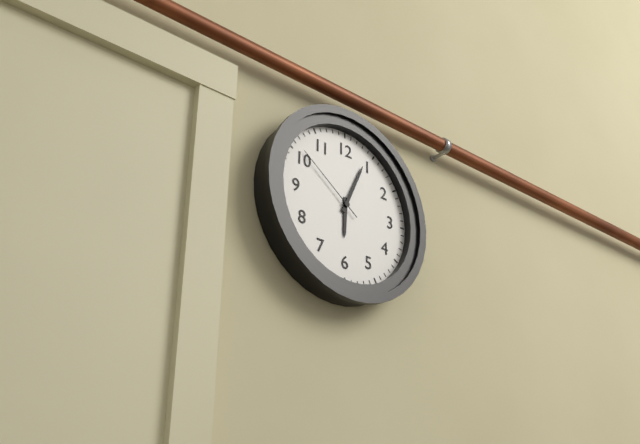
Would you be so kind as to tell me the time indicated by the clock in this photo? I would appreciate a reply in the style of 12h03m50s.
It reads 6h04m51s
